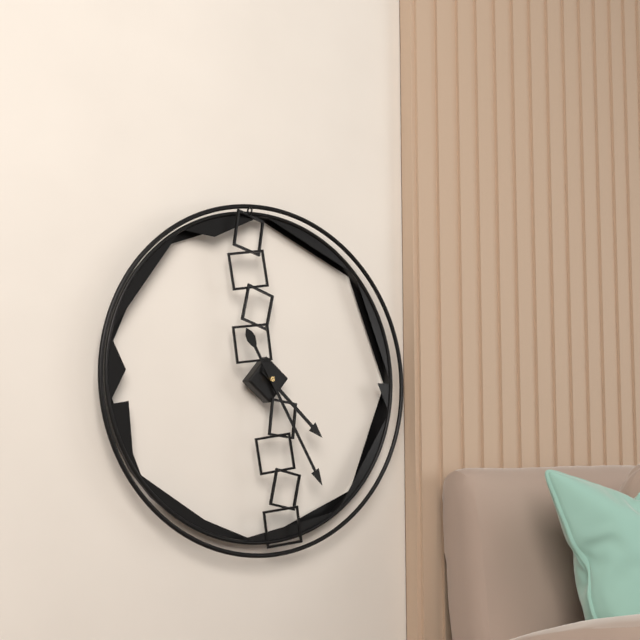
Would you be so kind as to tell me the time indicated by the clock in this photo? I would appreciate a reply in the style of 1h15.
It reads 4h25
